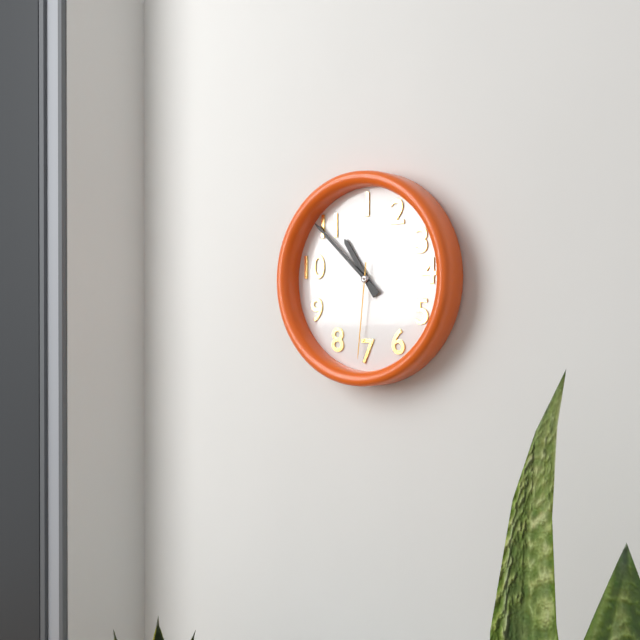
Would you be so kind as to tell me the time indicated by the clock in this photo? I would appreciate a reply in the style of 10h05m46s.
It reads 10h52m31s
